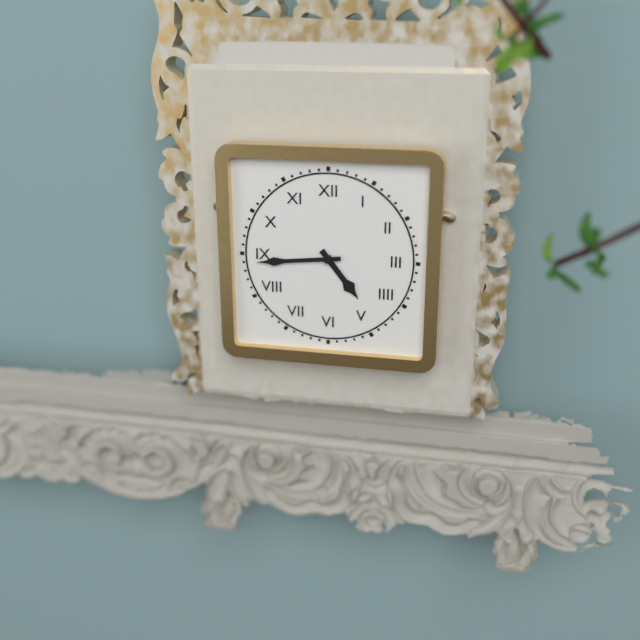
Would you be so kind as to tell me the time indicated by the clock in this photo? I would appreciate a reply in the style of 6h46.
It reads 4h44
